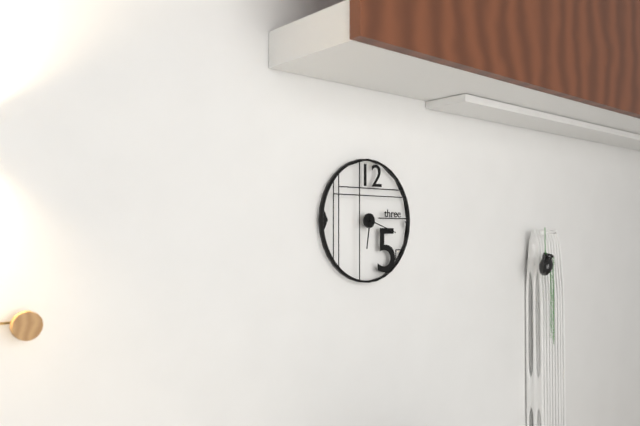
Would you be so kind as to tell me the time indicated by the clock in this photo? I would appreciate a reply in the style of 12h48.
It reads 6h18
